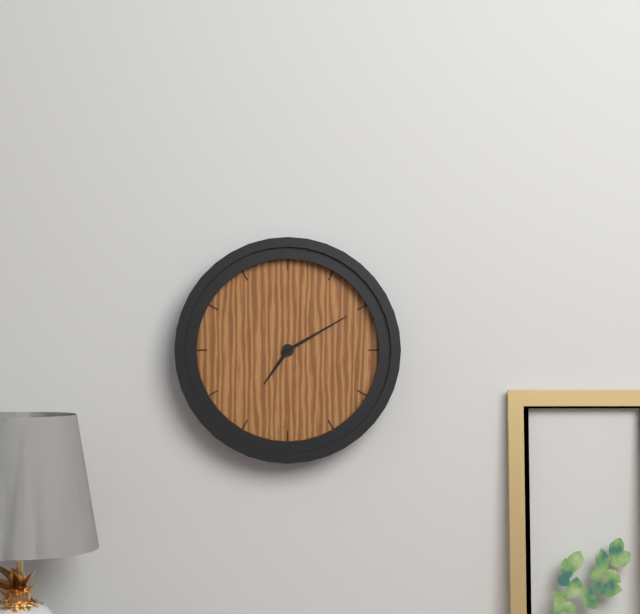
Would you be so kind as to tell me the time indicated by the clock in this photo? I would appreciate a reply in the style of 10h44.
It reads 7h10
